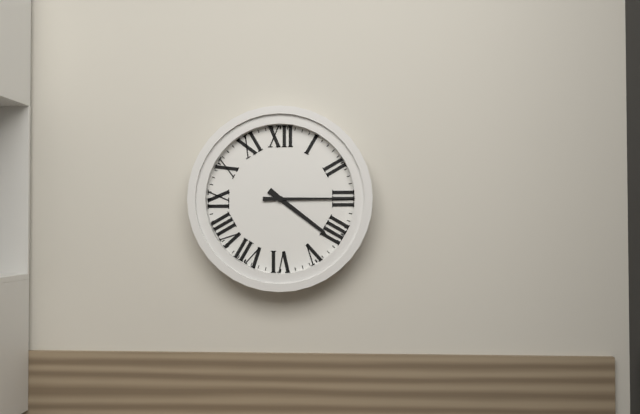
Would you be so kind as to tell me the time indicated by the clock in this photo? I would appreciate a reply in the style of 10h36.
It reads 4h15
